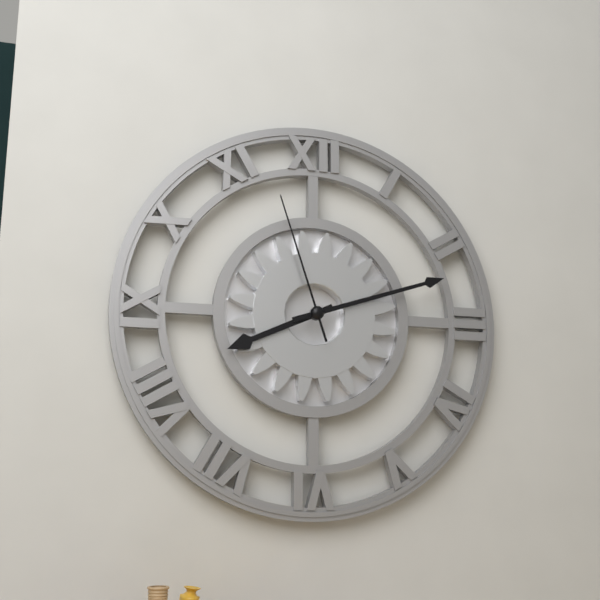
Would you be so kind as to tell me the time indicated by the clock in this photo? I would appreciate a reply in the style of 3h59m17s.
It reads 8h12m57s
